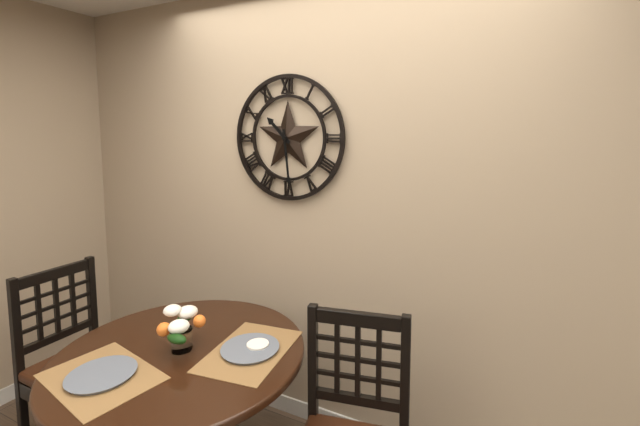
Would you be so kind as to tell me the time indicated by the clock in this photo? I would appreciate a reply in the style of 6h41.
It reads 10h29
